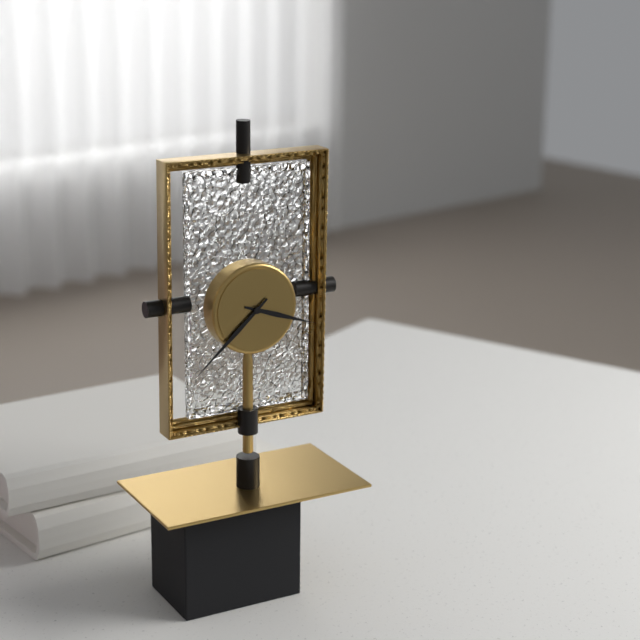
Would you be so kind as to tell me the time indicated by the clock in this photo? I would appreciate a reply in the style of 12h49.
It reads 3h38
